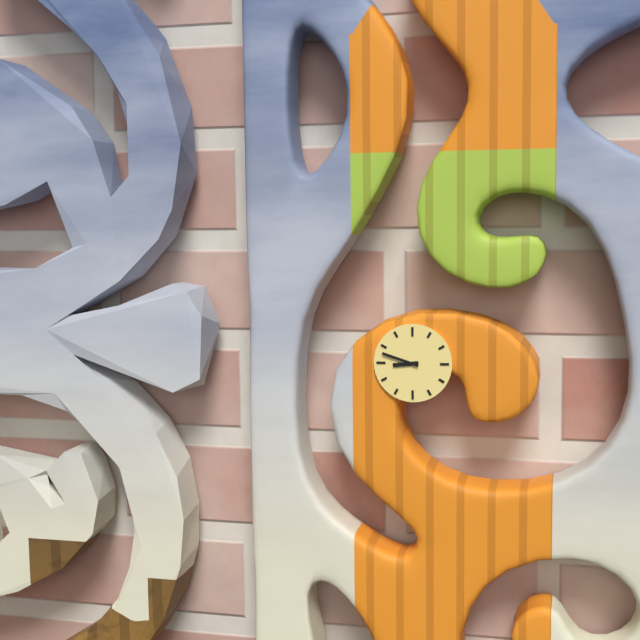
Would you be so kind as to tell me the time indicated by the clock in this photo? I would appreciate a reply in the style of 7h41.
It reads 8h48
